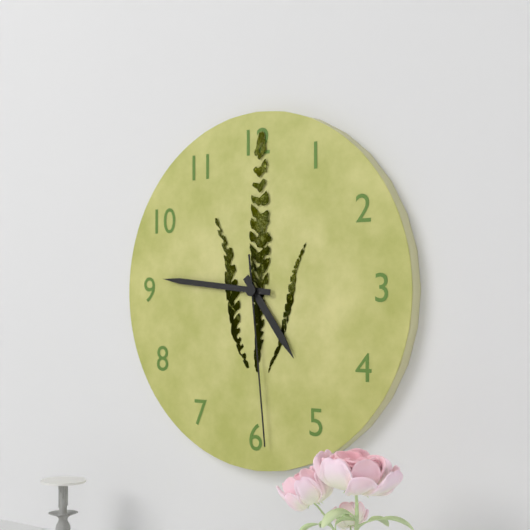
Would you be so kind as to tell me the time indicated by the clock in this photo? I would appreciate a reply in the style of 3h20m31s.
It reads 4h46m29s
